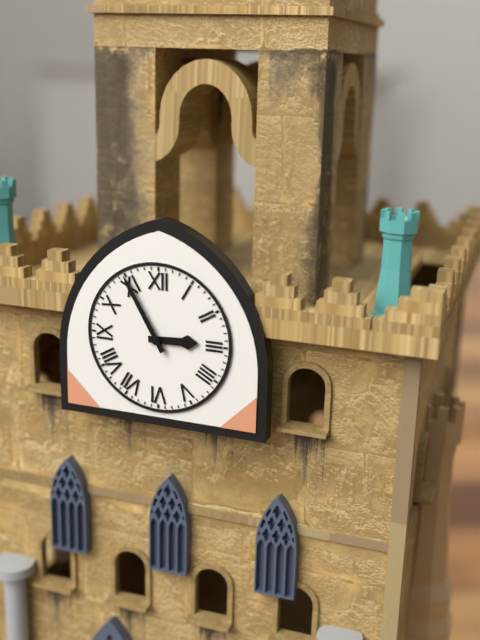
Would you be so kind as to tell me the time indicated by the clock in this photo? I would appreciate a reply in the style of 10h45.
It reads 2h55
